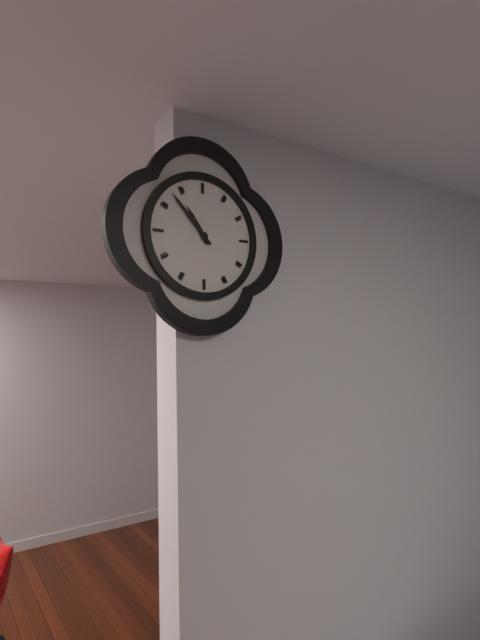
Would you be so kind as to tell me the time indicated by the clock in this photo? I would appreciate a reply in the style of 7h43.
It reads 10h53
